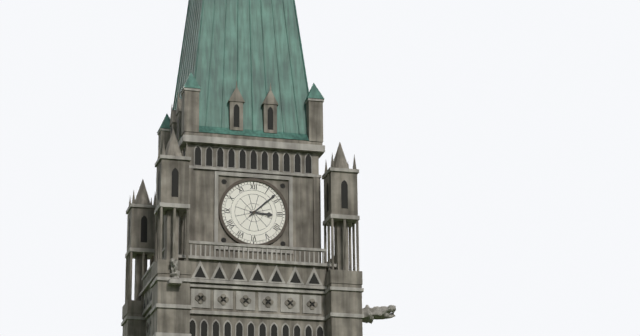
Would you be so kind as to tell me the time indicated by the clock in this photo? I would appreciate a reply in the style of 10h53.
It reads 3h08
